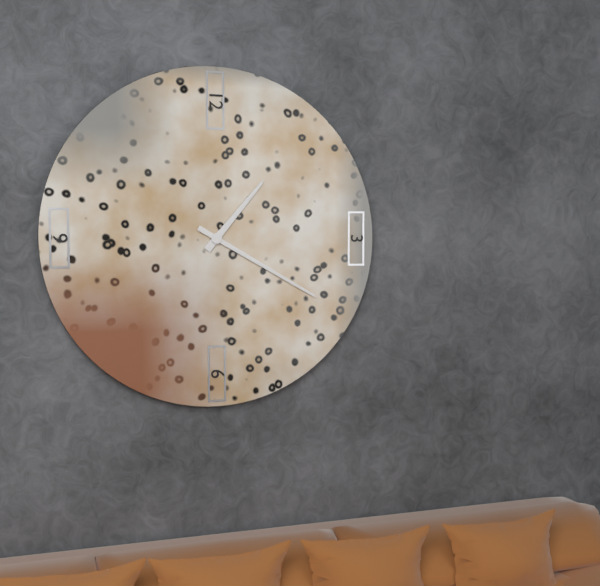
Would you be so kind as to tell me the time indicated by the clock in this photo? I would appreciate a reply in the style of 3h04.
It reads 1h20
